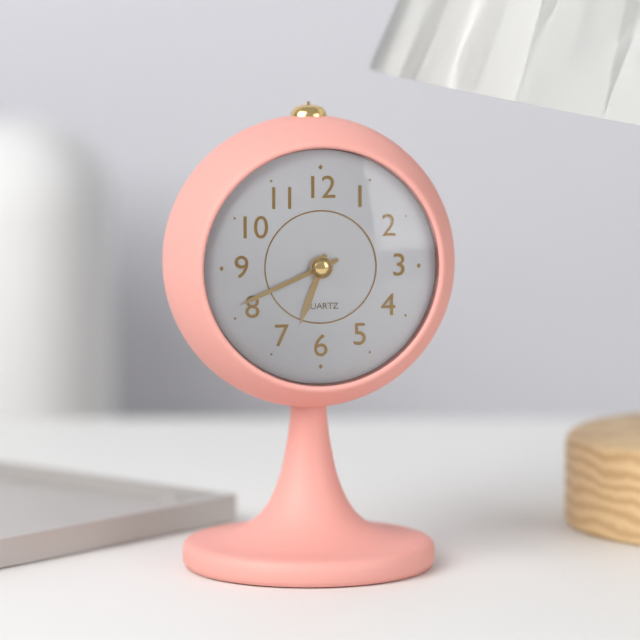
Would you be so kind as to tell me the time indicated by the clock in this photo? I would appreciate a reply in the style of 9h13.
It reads 6h41
